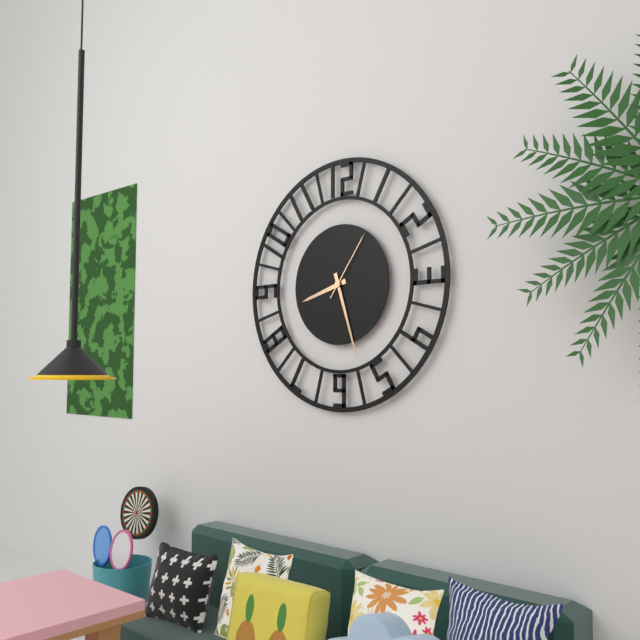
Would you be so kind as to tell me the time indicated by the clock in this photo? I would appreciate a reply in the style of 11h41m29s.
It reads 8h27m06s
